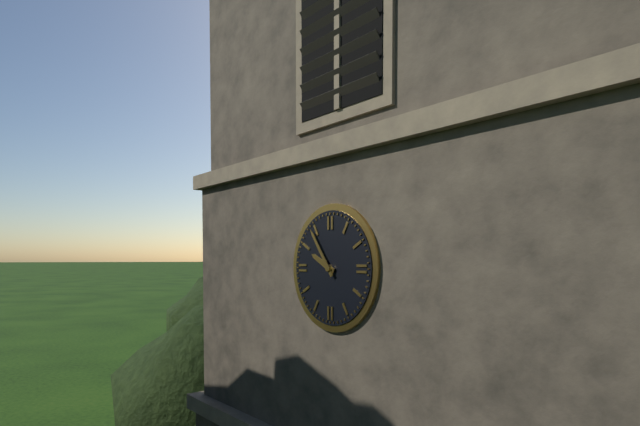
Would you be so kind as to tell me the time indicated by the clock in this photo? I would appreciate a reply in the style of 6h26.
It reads 9h54
